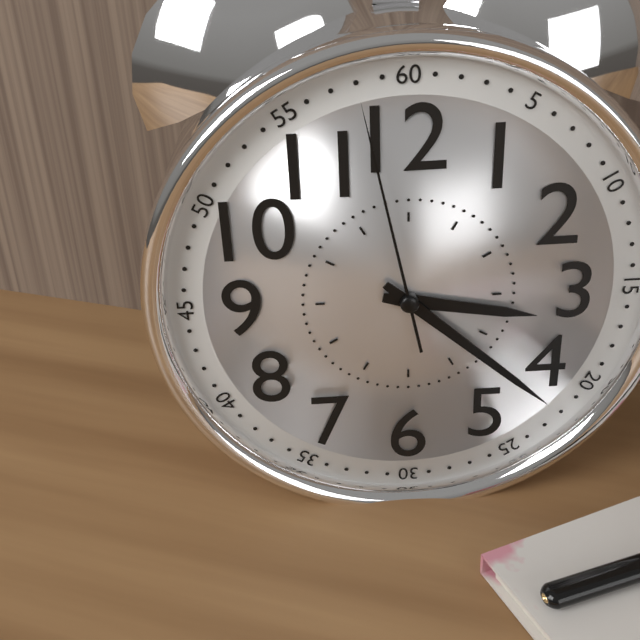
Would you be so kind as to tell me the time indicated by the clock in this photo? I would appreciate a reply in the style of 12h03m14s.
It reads 3h22m58s
